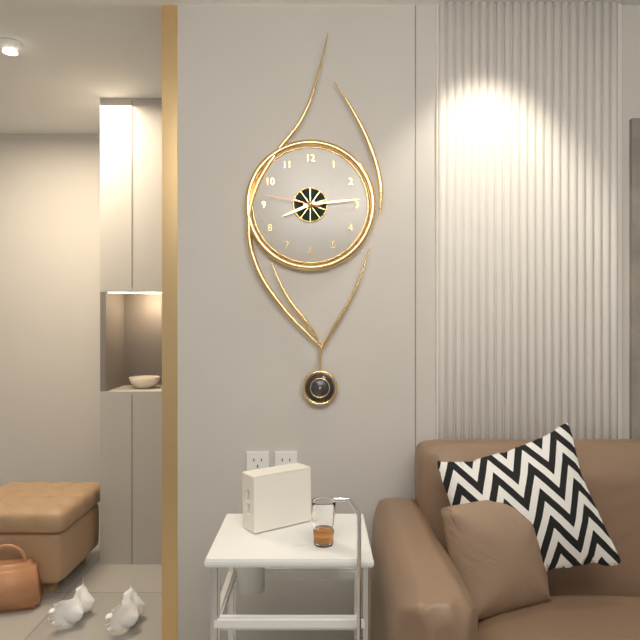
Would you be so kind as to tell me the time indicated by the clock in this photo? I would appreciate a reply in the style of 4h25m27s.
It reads 8h14m47s
